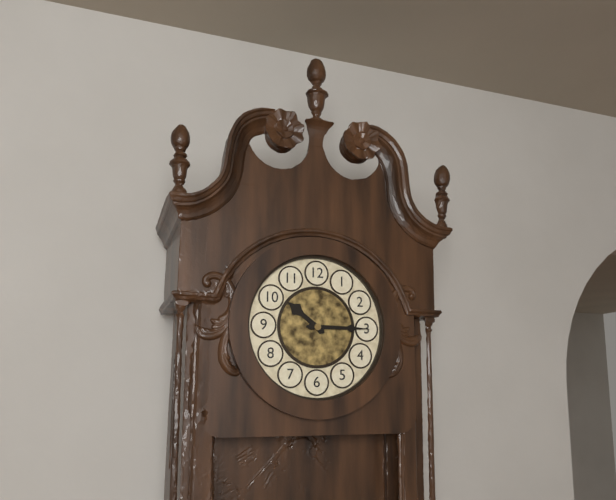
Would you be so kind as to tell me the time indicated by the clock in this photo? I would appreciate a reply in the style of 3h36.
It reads 10h15
